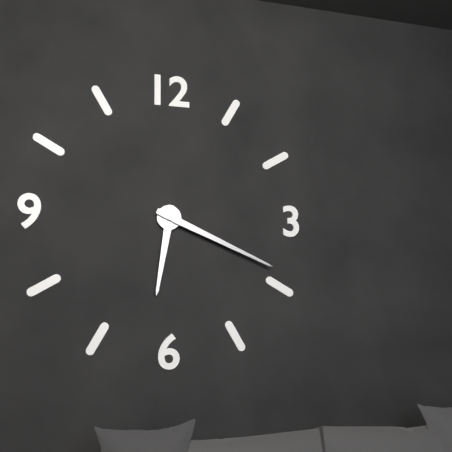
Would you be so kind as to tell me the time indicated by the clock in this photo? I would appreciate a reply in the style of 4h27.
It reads 6h19
